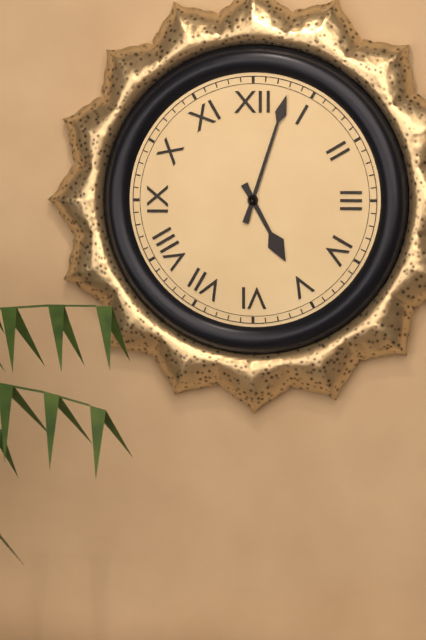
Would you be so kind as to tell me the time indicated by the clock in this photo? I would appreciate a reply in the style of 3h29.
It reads 5h03
